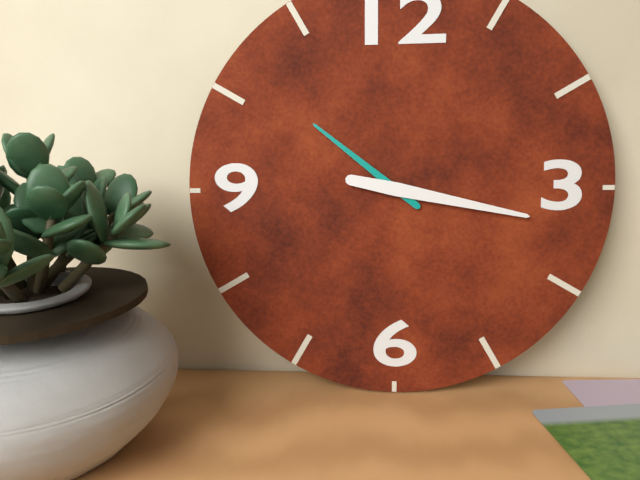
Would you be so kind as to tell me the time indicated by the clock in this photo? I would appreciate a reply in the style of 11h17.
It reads 10h17
